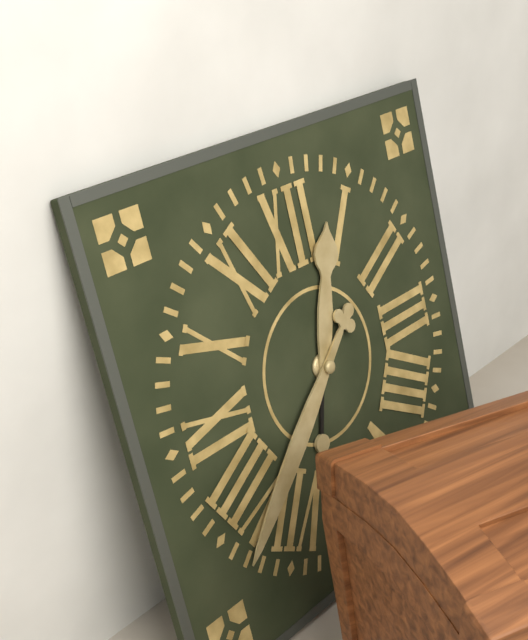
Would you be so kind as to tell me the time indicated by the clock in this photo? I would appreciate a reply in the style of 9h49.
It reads 12h38
